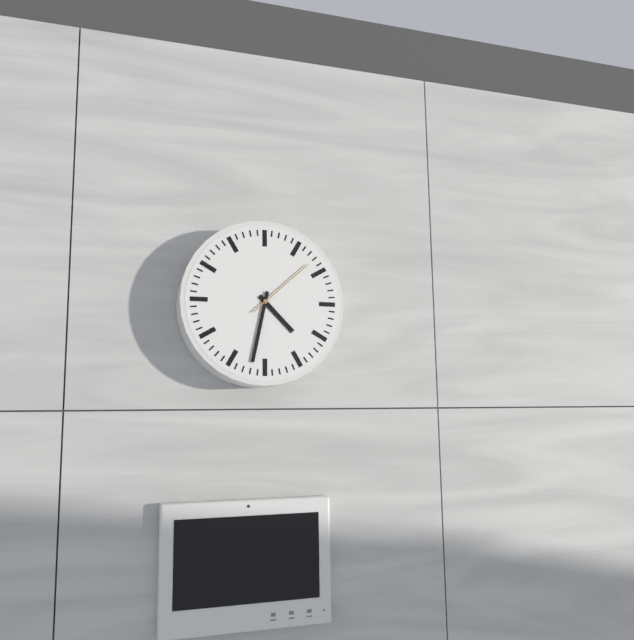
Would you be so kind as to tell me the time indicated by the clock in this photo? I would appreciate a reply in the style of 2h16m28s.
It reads 4h32m08s
